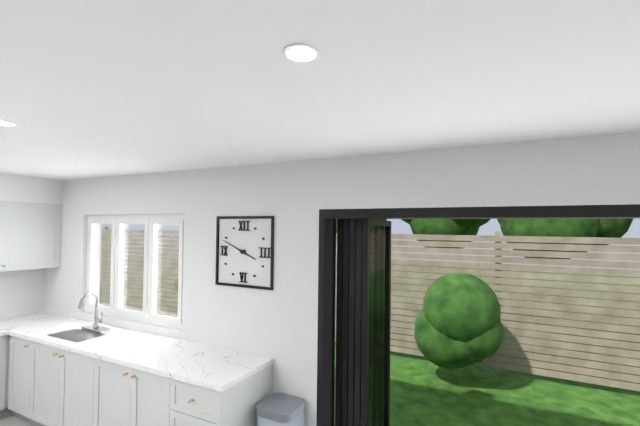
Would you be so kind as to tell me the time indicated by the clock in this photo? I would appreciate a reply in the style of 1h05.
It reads 3h49
